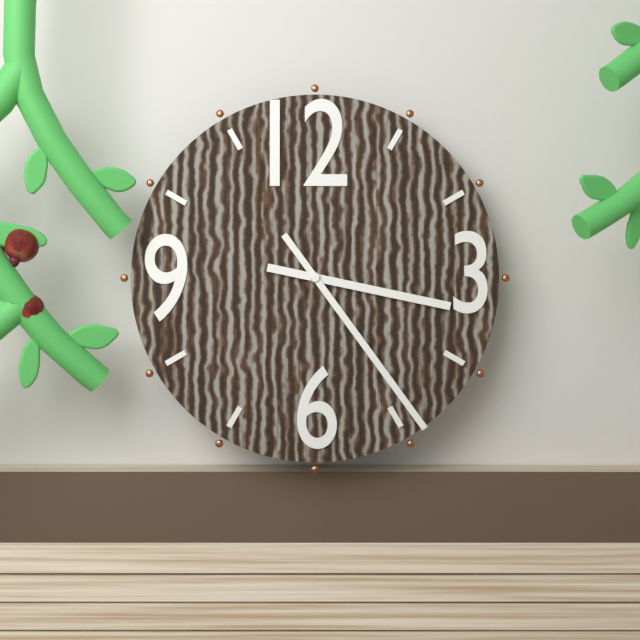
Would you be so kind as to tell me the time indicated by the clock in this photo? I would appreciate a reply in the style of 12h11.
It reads 3h24
